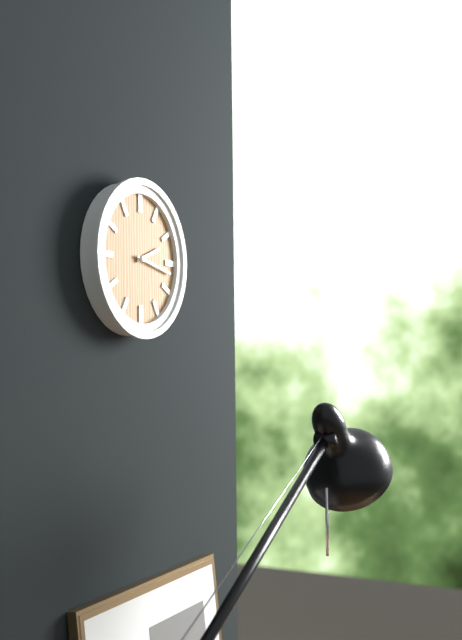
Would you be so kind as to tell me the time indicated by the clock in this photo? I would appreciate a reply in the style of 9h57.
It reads 2h17
